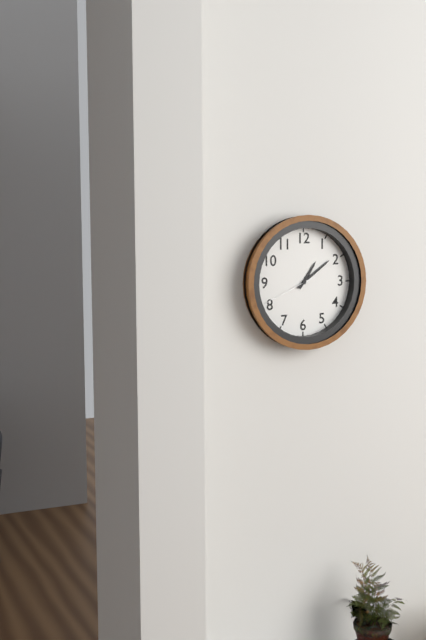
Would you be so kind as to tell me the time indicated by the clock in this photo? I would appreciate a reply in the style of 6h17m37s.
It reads 1h09m41s
